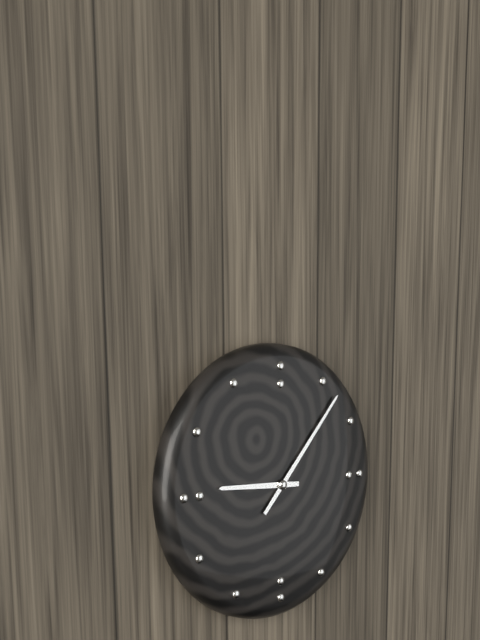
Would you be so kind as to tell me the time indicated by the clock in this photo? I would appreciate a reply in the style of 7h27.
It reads 9h07
